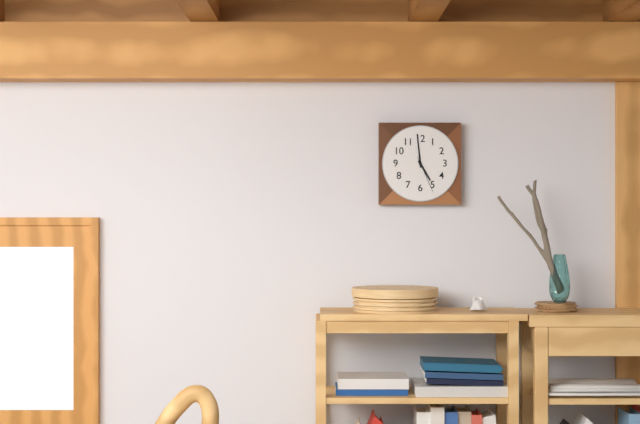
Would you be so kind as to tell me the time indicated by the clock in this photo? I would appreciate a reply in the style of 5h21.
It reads 4h59
